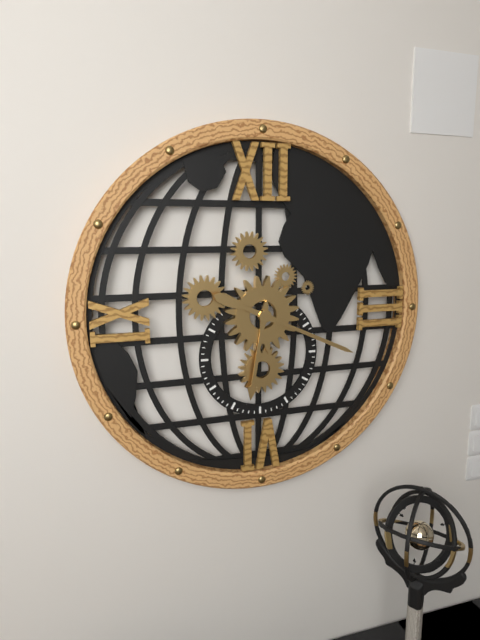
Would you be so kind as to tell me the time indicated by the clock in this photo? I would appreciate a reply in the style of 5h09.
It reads 6h19
